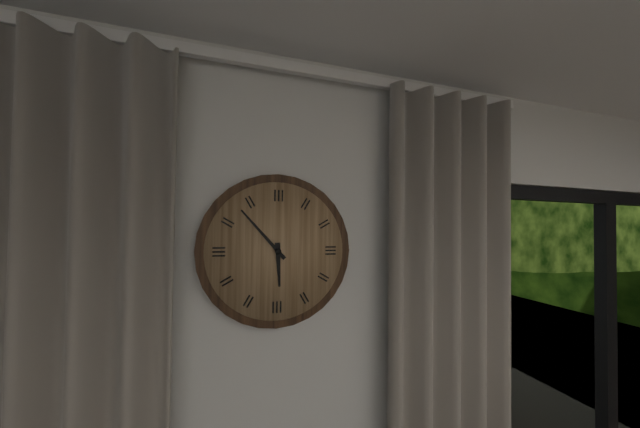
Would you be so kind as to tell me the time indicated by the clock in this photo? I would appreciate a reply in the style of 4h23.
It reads 5h53
